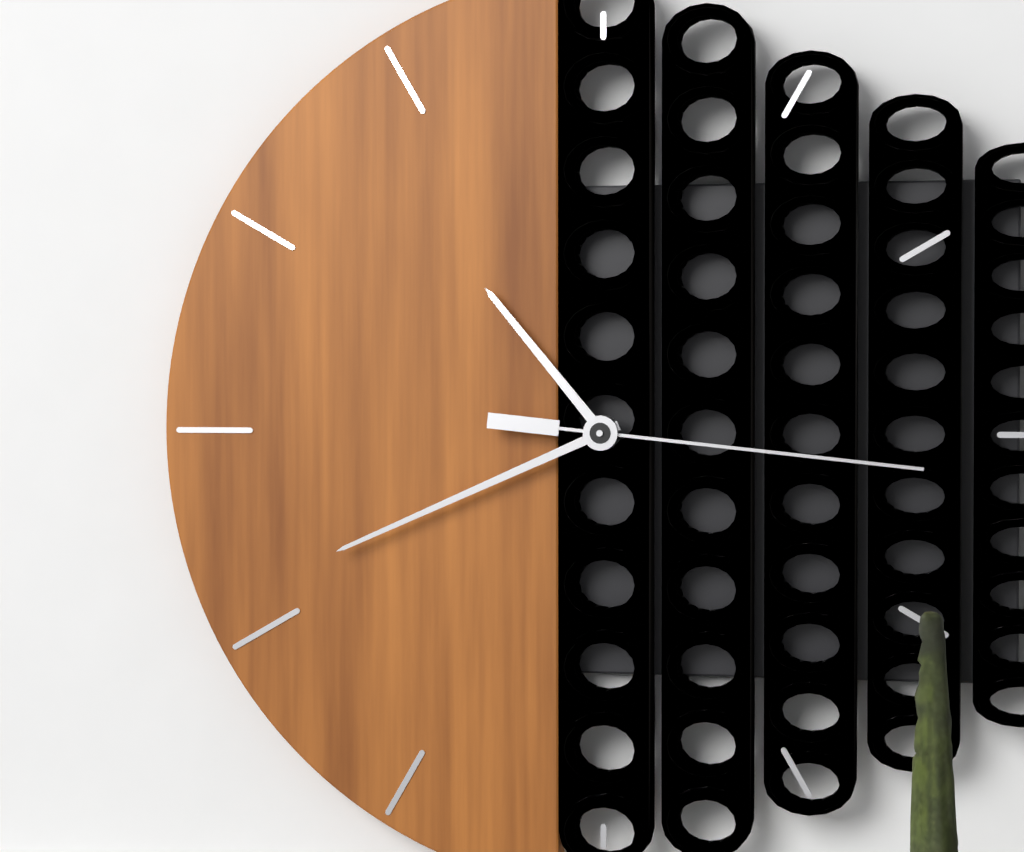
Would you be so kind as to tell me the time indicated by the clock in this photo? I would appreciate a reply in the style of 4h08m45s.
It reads 10h41m16s
